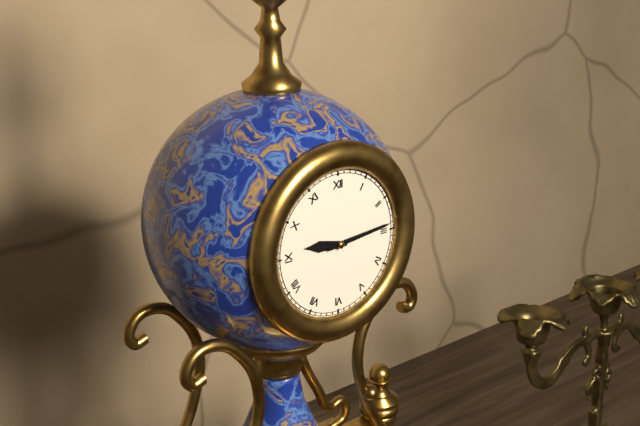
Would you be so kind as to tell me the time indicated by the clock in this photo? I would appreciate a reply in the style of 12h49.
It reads 9h14
